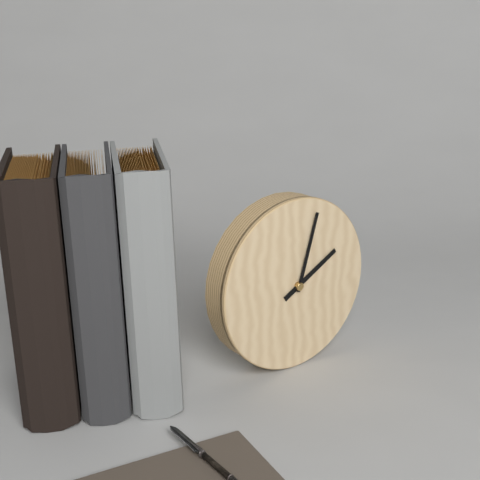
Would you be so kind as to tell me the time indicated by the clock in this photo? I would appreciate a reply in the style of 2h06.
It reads 2h03
